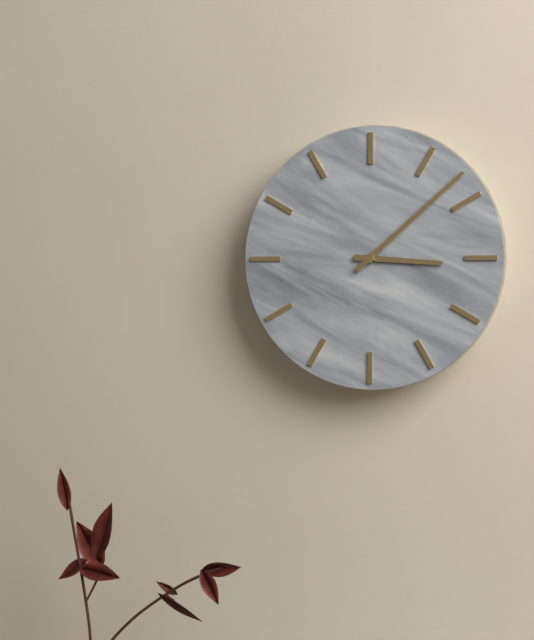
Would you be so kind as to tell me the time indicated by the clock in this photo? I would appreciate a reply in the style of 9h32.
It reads 3h08
